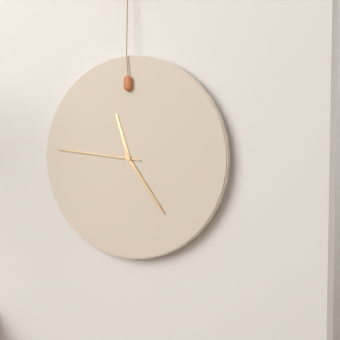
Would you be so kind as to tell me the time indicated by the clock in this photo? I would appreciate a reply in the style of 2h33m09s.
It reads 11h24m46s
